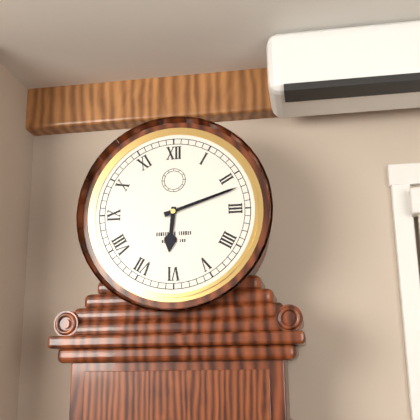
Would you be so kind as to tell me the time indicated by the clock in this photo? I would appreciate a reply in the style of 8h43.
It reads 6h12
